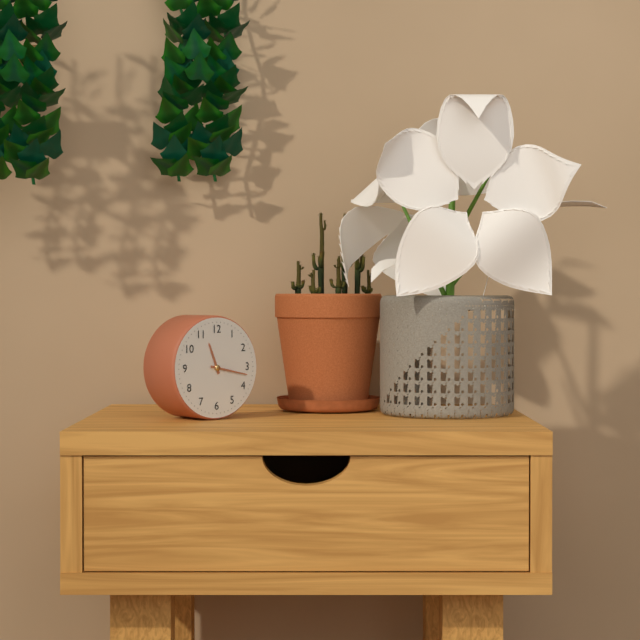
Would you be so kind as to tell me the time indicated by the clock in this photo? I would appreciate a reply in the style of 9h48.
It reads 11h17
